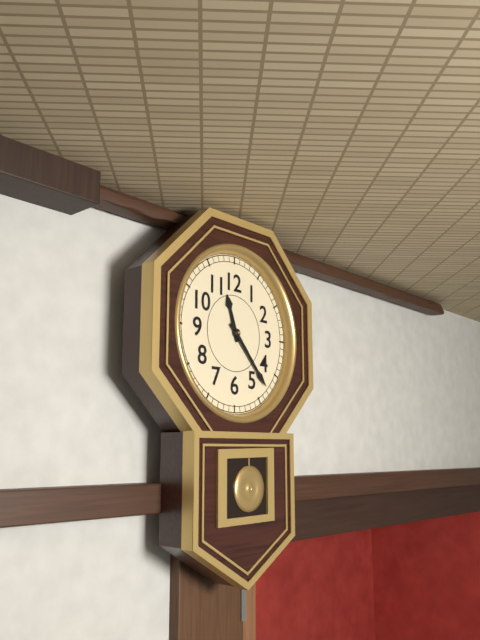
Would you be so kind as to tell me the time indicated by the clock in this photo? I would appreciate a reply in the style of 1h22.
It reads 11h23
